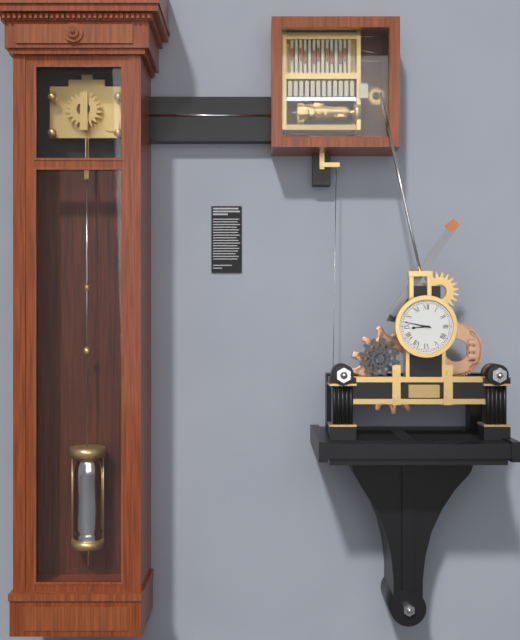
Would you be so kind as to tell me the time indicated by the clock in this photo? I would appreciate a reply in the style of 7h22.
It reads 8h47
